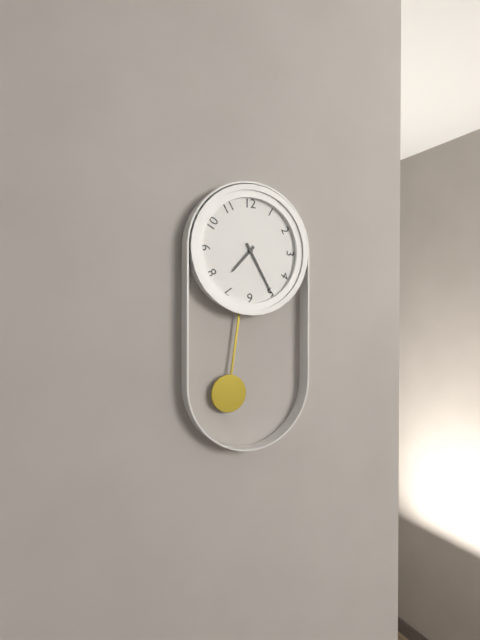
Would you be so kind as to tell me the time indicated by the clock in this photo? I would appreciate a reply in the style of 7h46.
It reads 7h25
